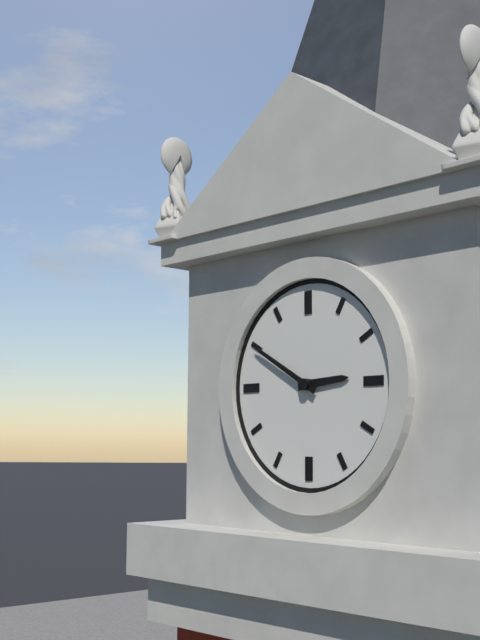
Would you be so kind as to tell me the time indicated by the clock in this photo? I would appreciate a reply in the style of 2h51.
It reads 2h50
